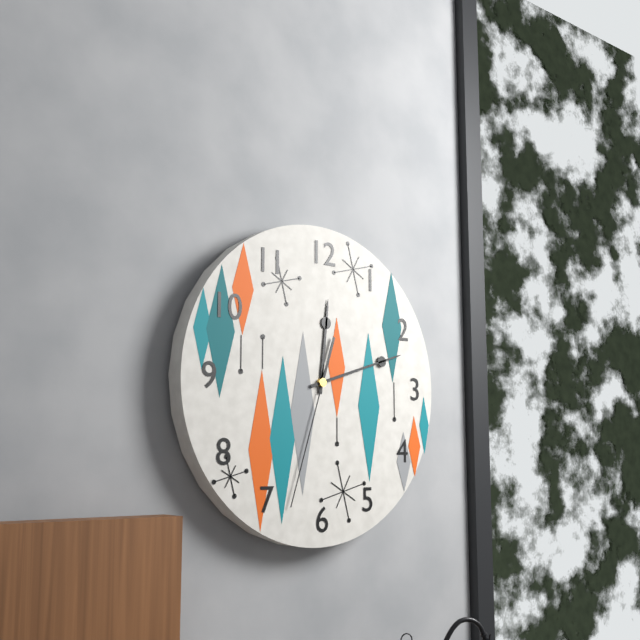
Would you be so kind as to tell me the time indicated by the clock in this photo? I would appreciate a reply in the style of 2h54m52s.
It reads 12h12m33s
